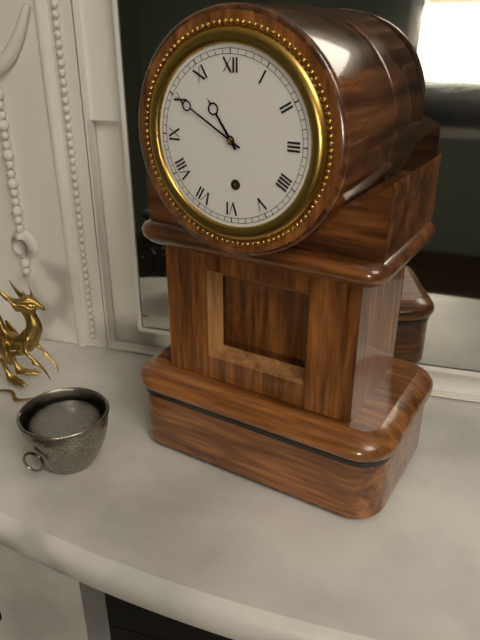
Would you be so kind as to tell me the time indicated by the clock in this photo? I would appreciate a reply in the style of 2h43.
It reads 10h50
